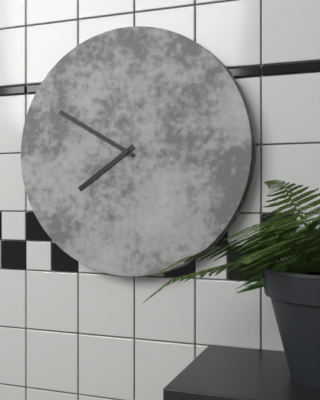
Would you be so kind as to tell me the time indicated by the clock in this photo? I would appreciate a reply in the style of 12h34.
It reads 7h50
